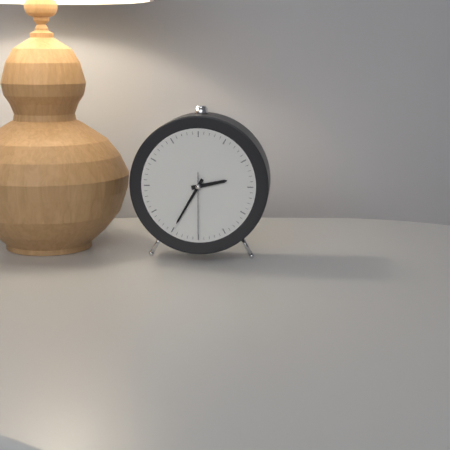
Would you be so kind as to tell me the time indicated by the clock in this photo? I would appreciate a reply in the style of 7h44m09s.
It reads 2h35m30s
